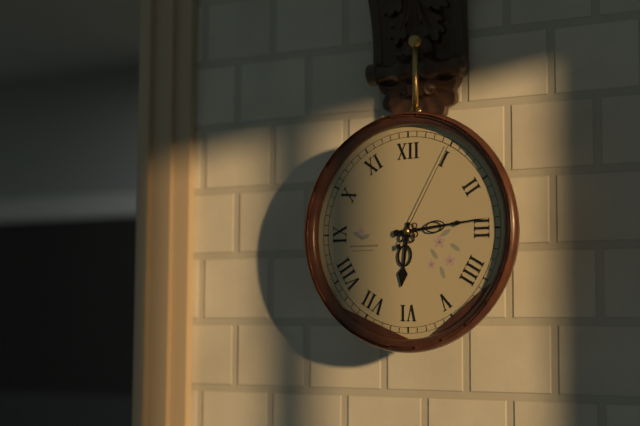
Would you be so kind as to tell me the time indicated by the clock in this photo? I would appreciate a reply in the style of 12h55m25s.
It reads 6h14m05s
